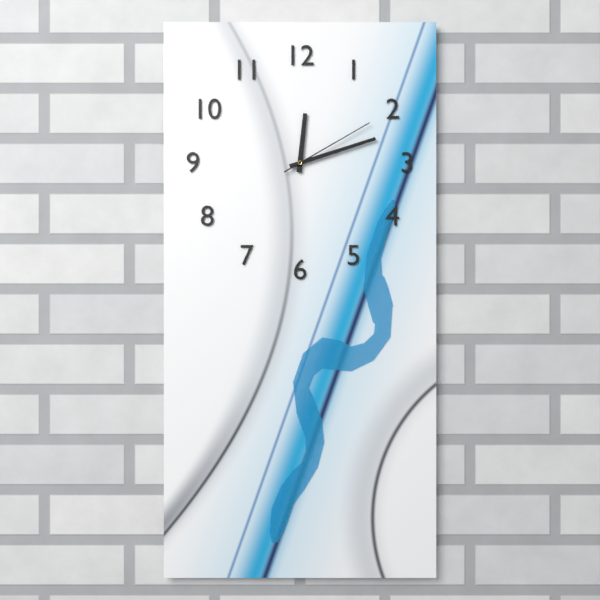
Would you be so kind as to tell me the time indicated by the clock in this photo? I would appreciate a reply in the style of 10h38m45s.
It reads 12h12m10s
